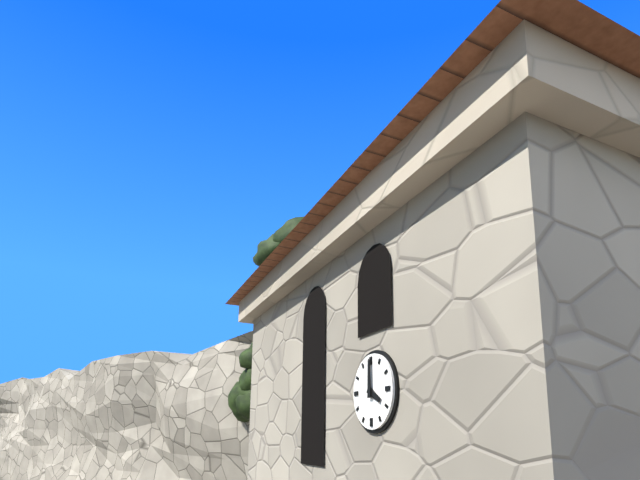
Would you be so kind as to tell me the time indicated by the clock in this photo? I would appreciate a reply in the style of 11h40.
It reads 4h00
